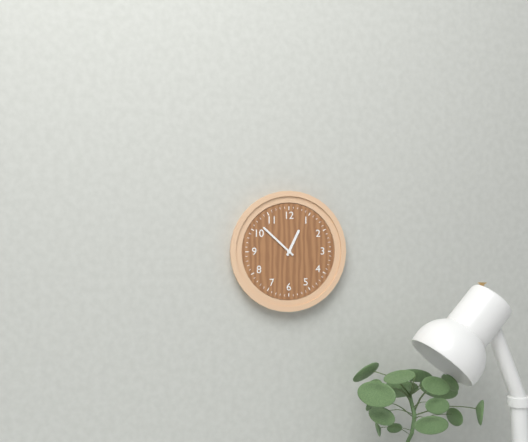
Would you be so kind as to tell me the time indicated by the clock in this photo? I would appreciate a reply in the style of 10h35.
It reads 12h52
